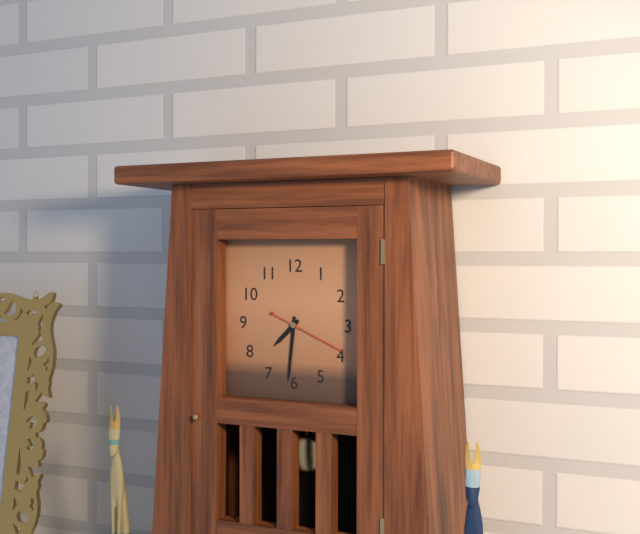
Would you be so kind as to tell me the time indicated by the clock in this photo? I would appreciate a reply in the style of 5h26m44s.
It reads 7h31m19s
